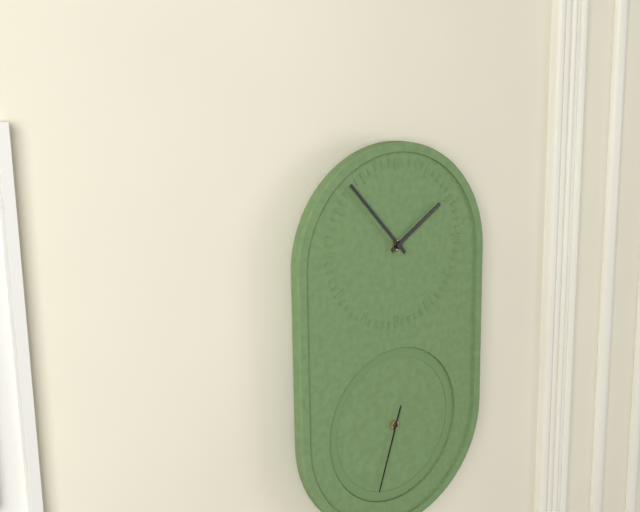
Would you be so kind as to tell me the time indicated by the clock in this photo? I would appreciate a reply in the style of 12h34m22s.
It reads 1h53m33s
